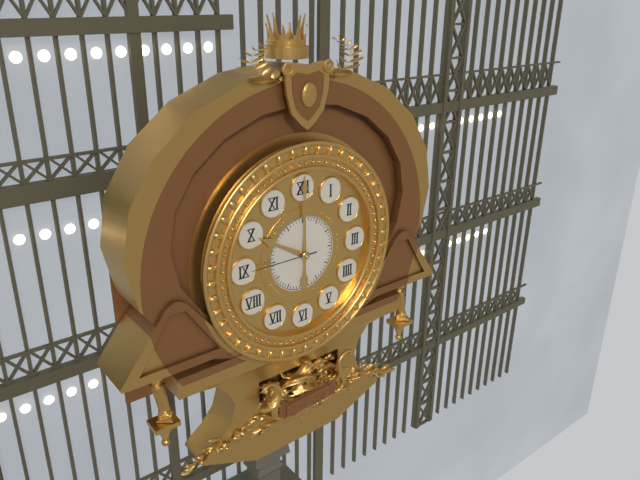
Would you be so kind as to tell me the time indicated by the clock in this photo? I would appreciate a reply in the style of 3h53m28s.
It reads 10h00m45s
